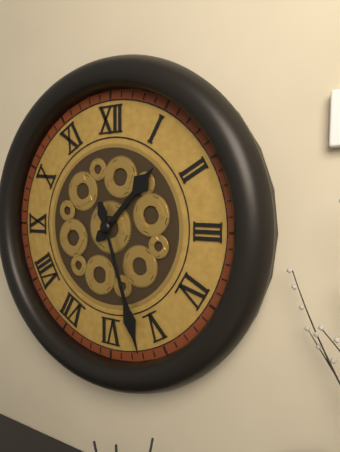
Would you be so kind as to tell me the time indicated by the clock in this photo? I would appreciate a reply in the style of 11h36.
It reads 1h27
